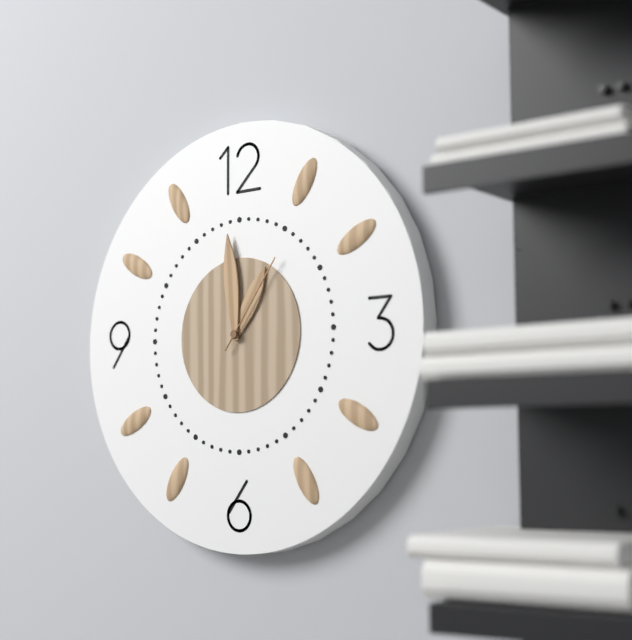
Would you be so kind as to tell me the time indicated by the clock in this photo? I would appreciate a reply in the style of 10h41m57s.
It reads 12h59m06s
